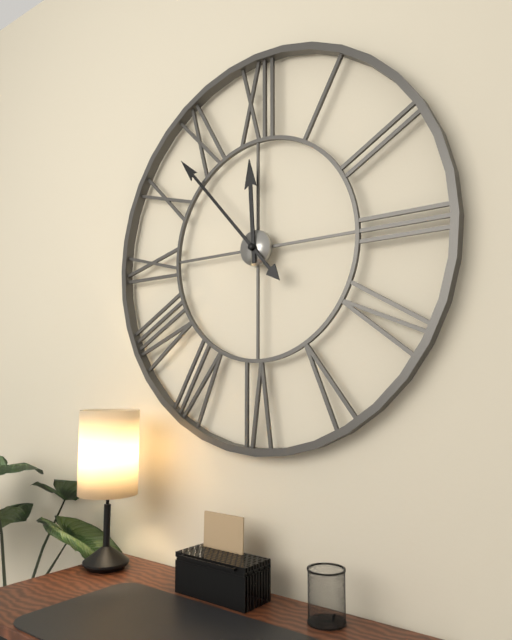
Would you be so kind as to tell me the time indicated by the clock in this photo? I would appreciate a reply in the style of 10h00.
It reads 11h53
